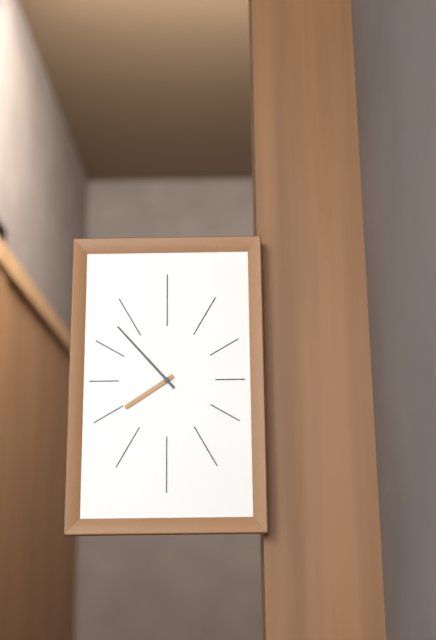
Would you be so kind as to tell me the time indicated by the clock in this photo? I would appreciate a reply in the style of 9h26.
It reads 7h53
